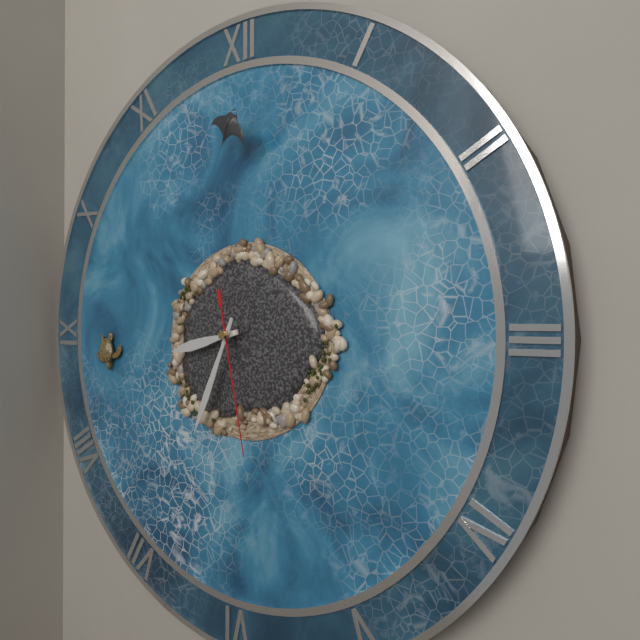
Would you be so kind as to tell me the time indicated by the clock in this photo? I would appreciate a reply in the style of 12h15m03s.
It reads 8h34m28s
